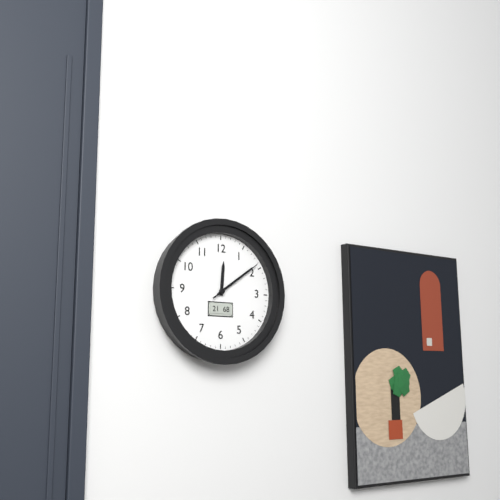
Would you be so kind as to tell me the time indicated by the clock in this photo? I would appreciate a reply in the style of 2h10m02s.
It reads 12h09m09s
